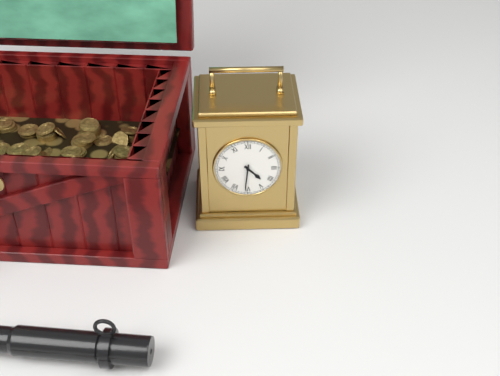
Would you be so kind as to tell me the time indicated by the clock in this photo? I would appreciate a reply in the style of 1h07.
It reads 4h31
